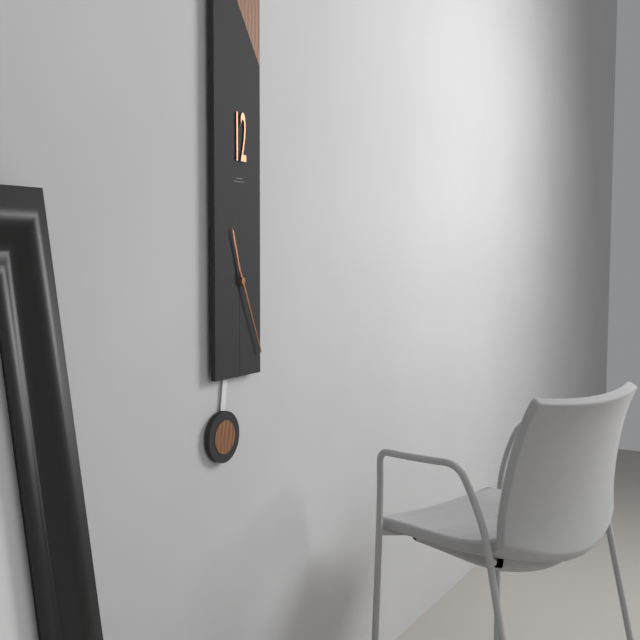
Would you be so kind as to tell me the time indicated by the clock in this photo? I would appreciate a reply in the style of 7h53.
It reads 11h26
